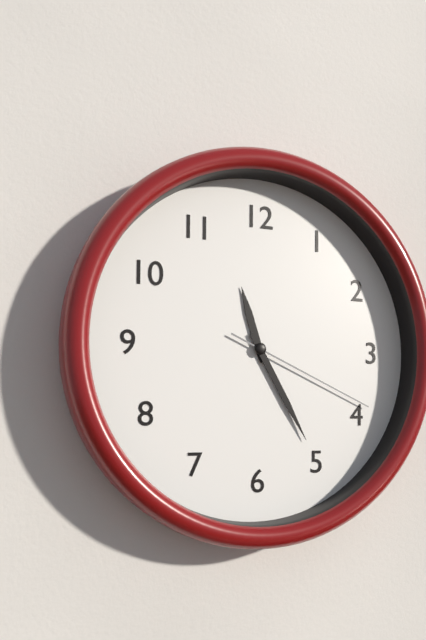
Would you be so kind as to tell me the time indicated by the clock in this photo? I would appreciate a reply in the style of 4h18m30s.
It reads 11h25m19s
